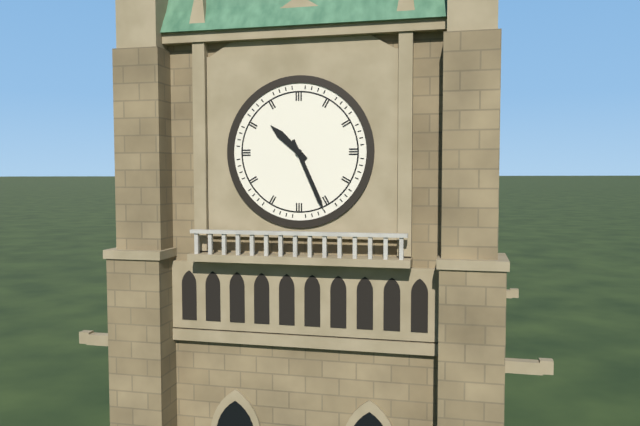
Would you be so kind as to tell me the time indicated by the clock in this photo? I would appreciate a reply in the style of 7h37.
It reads 10h26
